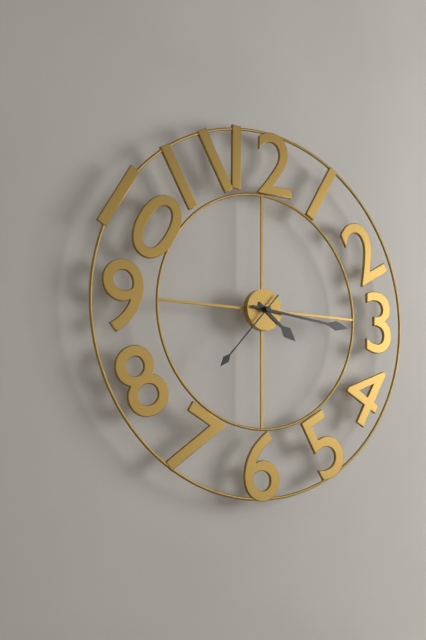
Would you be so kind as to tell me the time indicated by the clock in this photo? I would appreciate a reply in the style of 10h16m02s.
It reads 4h16m37s
